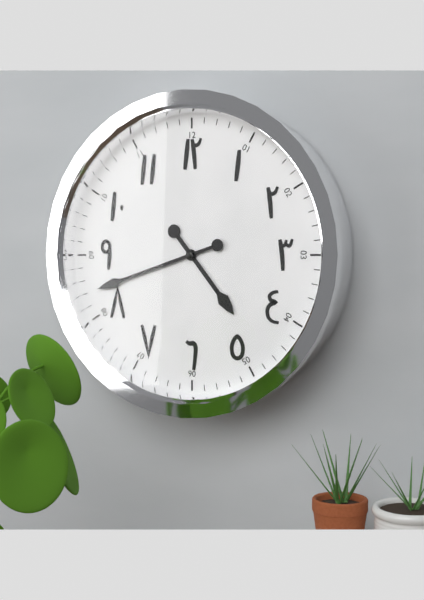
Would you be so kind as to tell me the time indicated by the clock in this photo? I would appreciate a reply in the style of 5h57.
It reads 4h42
